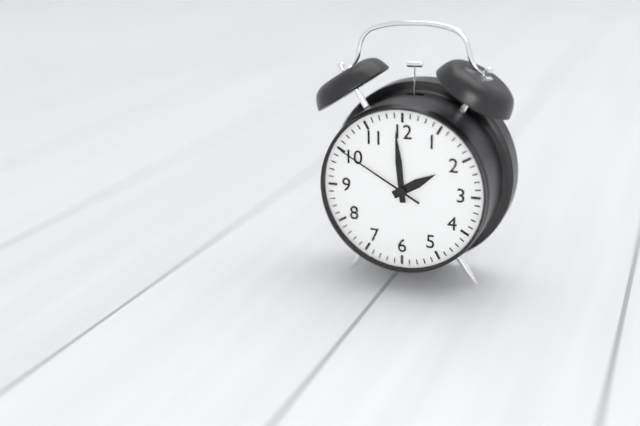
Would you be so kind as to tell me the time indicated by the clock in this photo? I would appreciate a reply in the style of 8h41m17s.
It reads 1h59m50s
